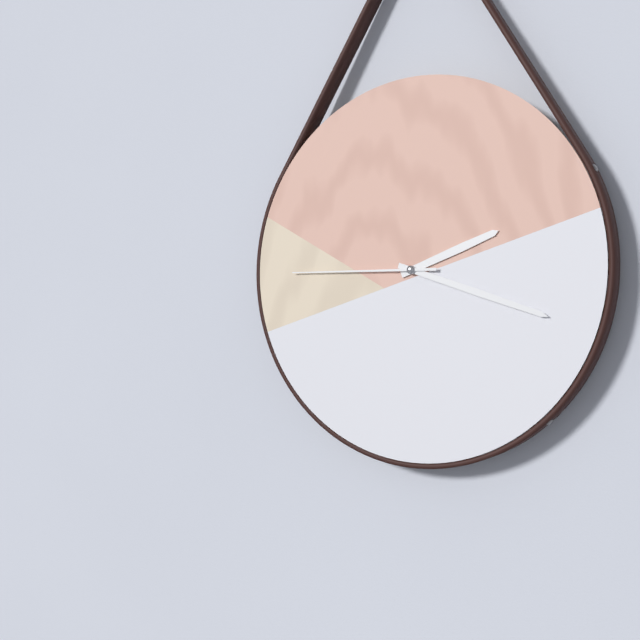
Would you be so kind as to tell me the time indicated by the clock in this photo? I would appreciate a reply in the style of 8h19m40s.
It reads 2h18m45s
